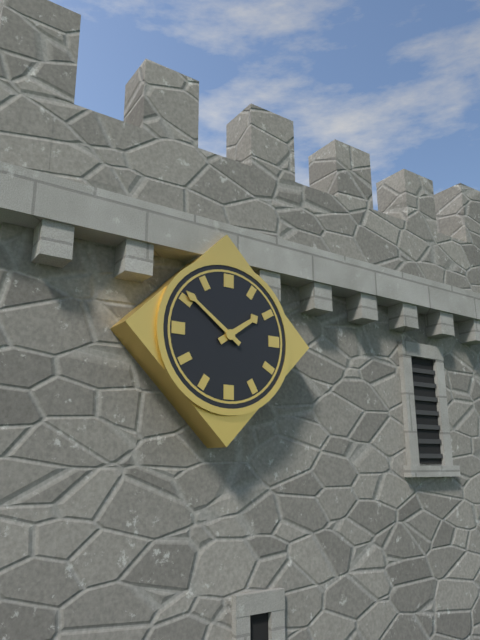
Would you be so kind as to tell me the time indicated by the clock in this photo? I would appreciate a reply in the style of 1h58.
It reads 1h51
